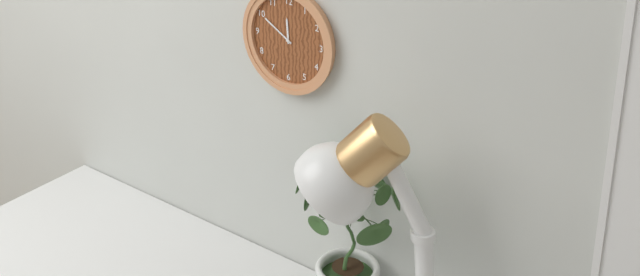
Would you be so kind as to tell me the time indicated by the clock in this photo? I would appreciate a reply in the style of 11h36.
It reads 11h50
